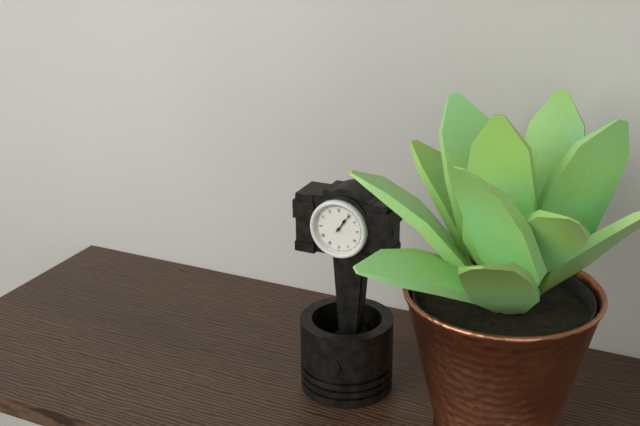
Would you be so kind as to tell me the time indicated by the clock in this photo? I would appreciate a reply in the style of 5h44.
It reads 1h06
